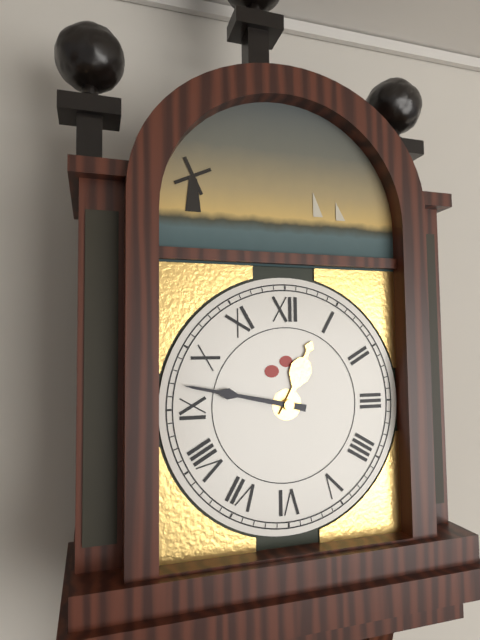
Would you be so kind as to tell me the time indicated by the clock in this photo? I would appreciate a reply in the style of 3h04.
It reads 12h47
